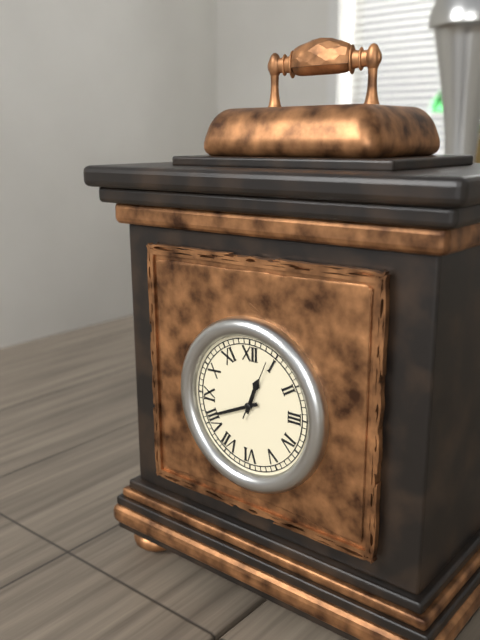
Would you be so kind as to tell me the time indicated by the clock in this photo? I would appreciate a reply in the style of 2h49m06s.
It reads 12h41m04s
